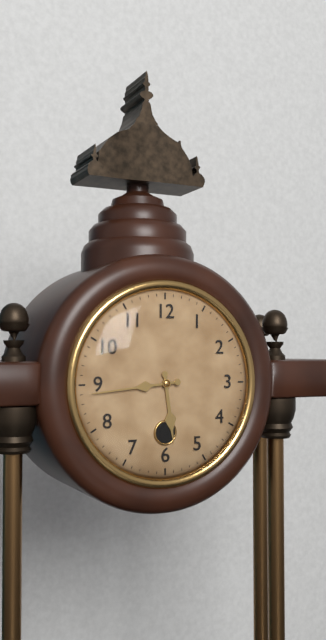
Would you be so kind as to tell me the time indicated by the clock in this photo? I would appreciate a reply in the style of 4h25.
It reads 5h44
